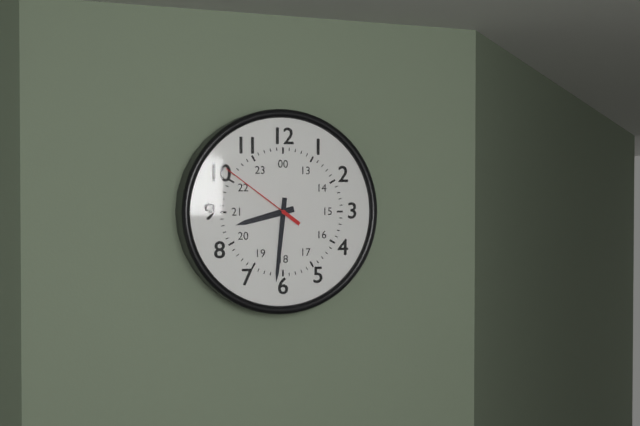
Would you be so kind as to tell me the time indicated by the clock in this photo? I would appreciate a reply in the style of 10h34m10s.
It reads 8h31m51s
